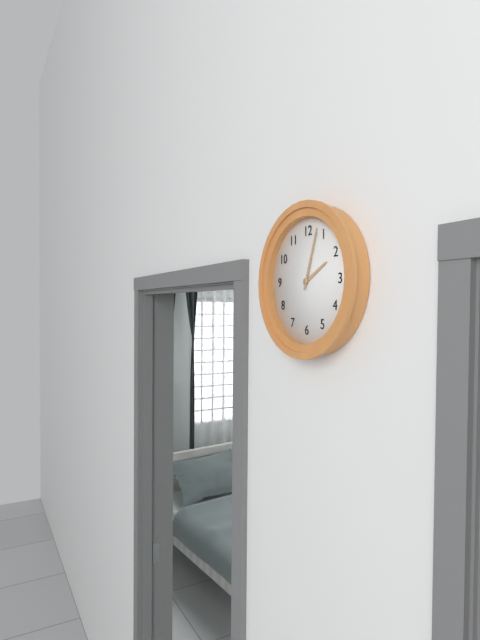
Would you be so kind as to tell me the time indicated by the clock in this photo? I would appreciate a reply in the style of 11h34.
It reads 2h03
